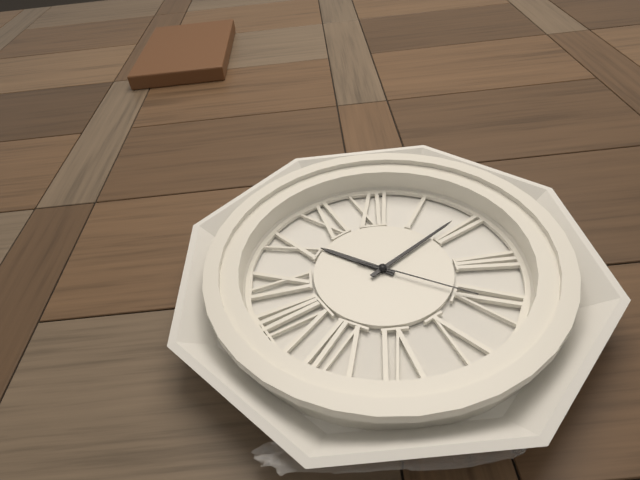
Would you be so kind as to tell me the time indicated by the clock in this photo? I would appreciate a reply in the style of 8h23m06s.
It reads 10h09m20s
